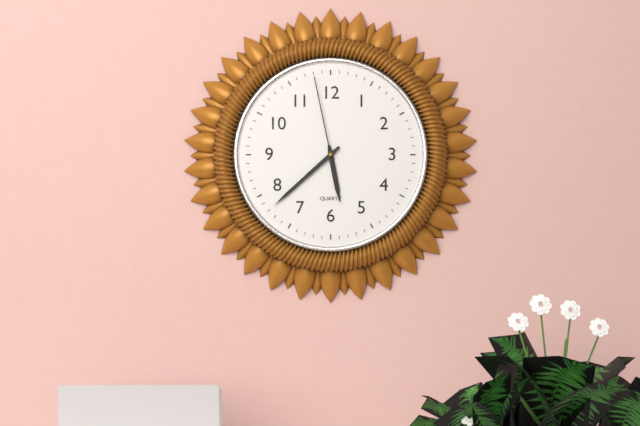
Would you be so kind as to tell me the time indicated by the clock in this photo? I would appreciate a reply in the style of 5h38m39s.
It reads 5h38m58s
